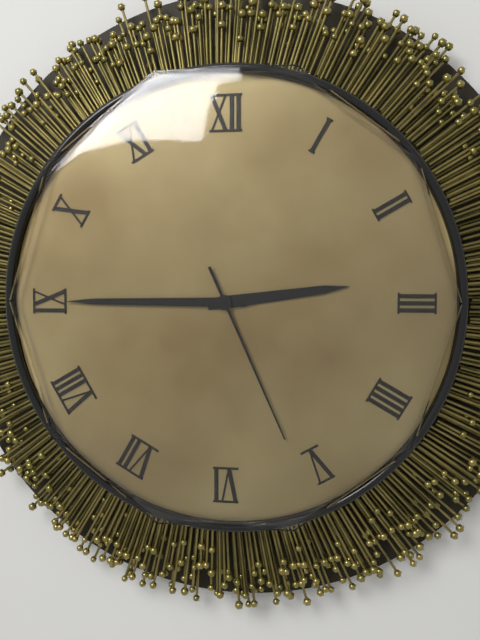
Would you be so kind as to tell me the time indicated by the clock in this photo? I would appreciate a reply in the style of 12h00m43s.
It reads 2h45m26s
